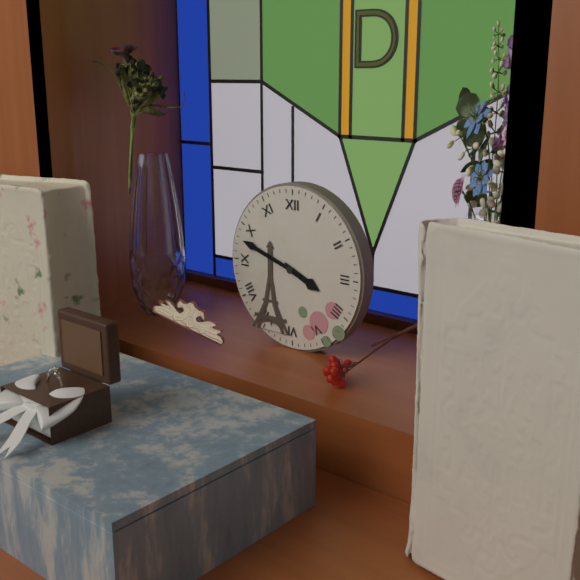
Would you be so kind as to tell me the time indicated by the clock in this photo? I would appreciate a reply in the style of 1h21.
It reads 3h48
